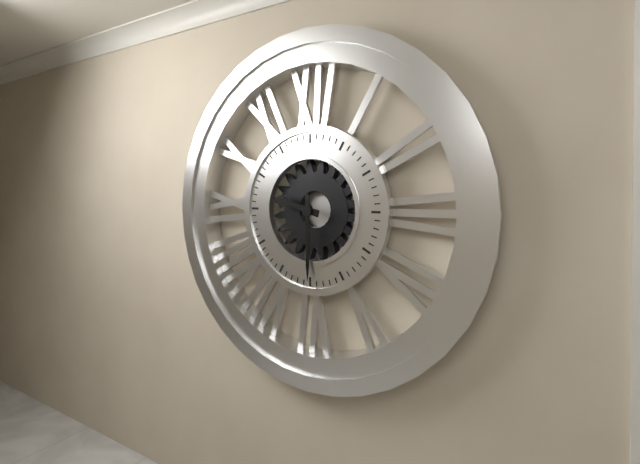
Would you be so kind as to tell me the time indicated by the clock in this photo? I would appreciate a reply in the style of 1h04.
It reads 9h30
